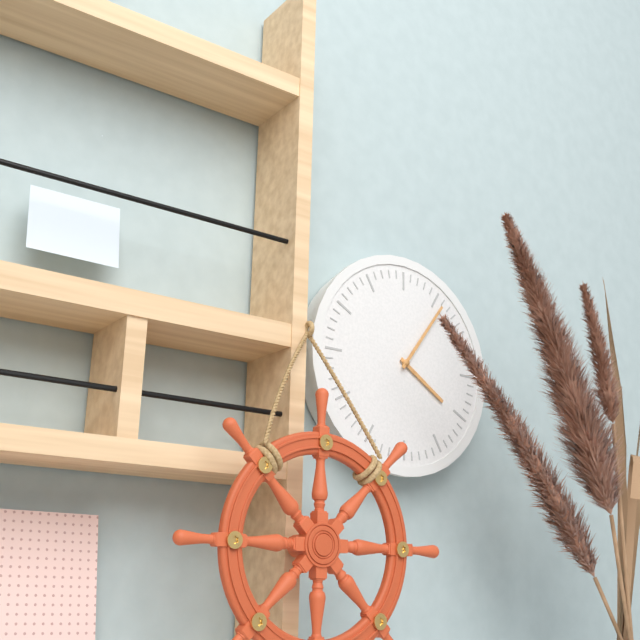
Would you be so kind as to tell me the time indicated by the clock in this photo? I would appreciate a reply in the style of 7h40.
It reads 4h06
